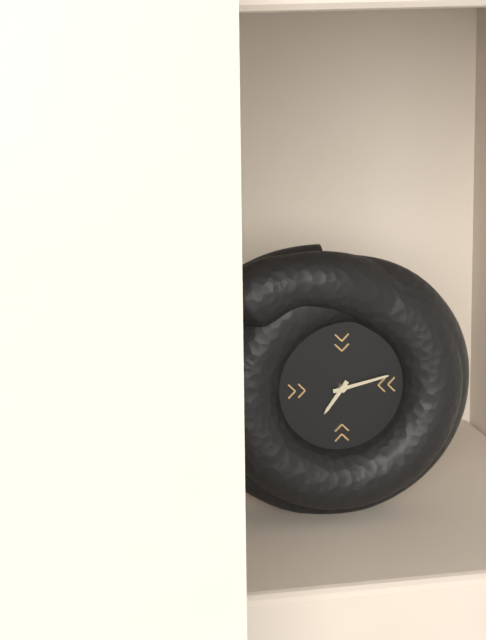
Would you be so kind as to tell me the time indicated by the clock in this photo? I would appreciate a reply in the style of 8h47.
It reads 7h13
